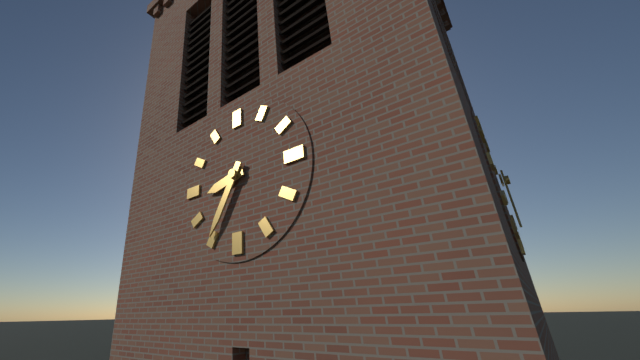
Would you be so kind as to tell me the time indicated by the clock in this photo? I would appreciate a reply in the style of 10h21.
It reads 8h35
